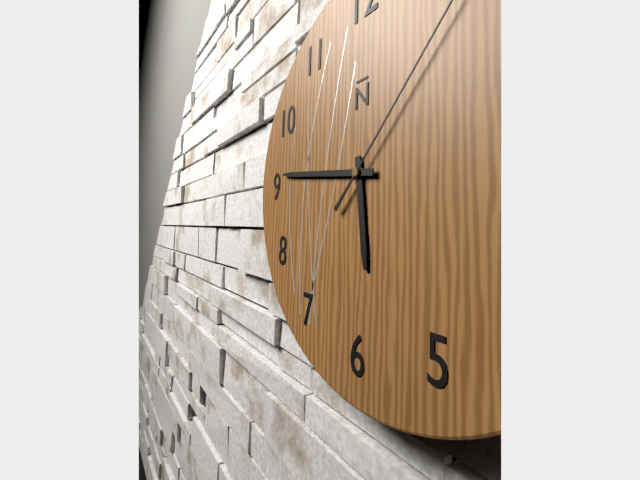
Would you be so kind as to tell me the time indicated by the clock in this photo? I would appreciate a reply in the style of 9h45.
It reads 5h46
